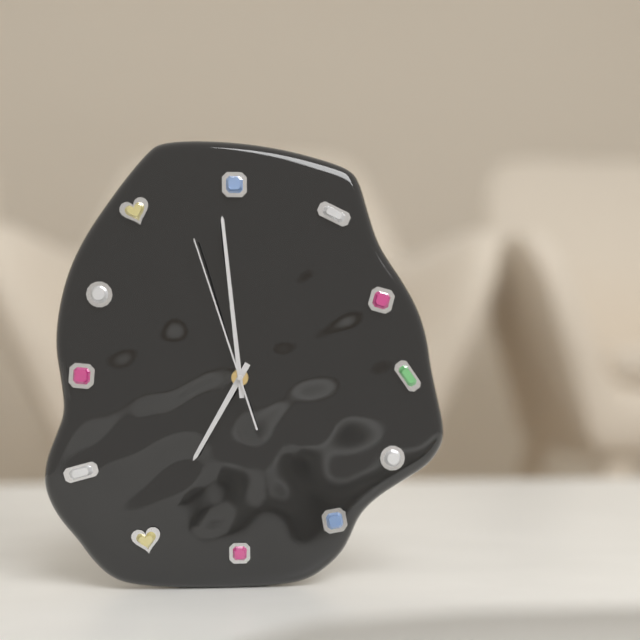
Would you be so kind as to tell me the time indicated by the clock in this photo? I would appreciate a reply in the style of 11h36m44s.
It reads 6h59m57s
